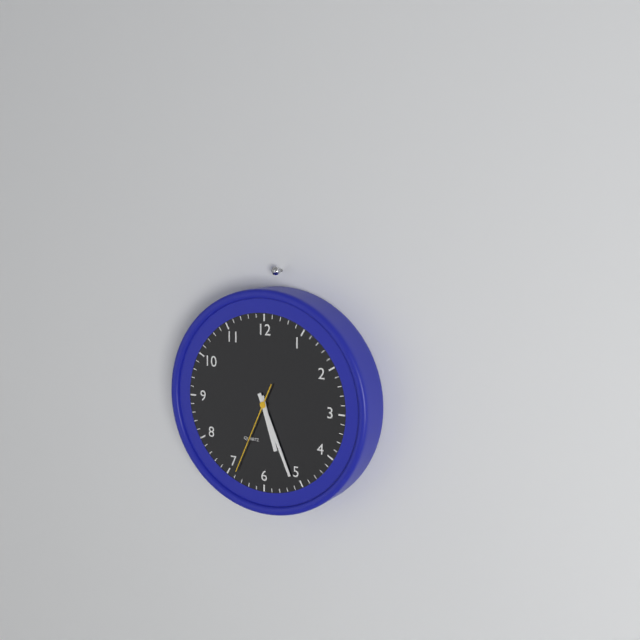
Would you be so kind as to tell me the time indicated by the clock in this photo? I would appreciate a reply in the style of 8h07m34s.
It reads 5h26m34s
